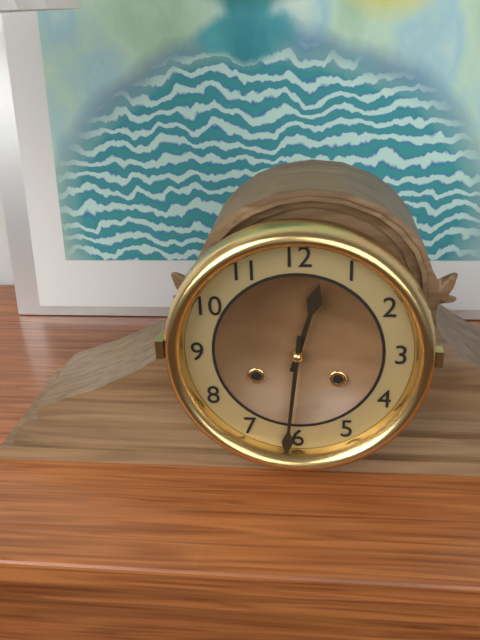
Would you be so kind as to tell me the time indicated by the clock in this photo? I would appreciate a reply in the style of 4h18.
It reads 12h31
